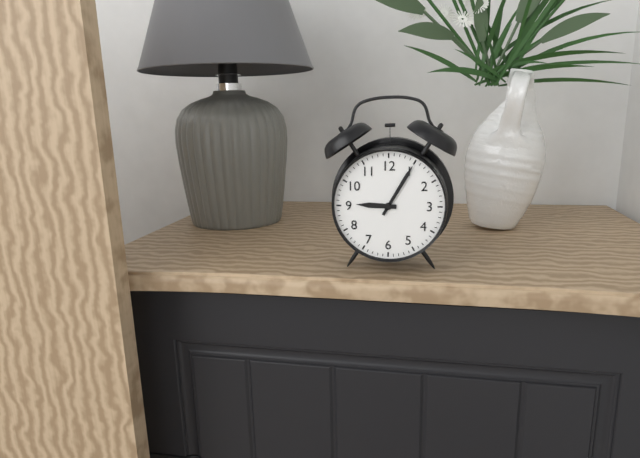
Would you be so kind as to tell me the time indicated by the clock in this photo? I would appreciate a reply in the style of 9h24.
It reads 9h05
